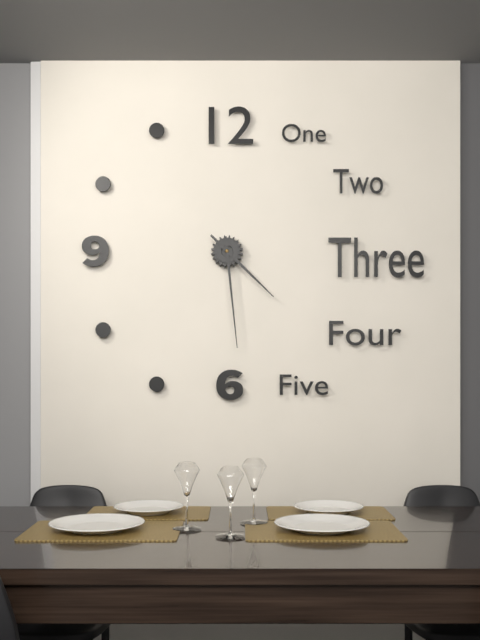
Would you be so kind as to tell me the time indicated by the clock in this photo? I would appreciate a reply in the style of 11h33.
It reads 4h29
